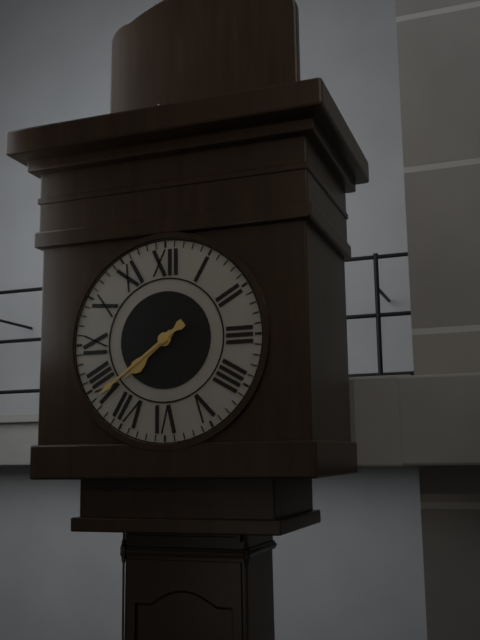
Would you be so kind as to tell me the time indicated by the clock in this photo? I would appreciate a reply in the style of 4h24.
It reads 7h39
